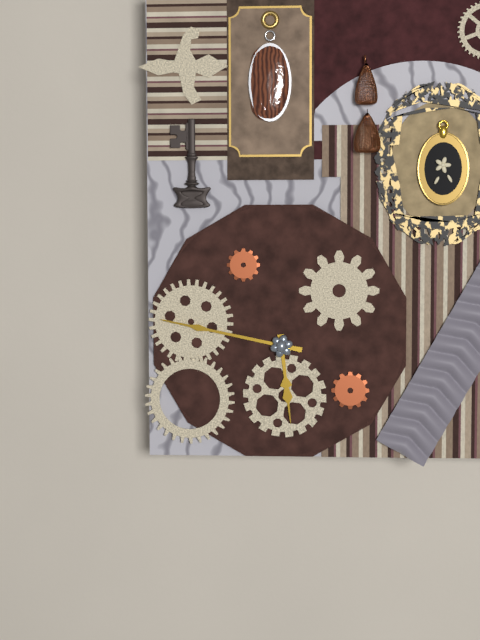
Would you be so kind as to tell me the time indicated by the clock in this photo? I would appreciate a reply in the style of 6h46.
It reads 5h47
